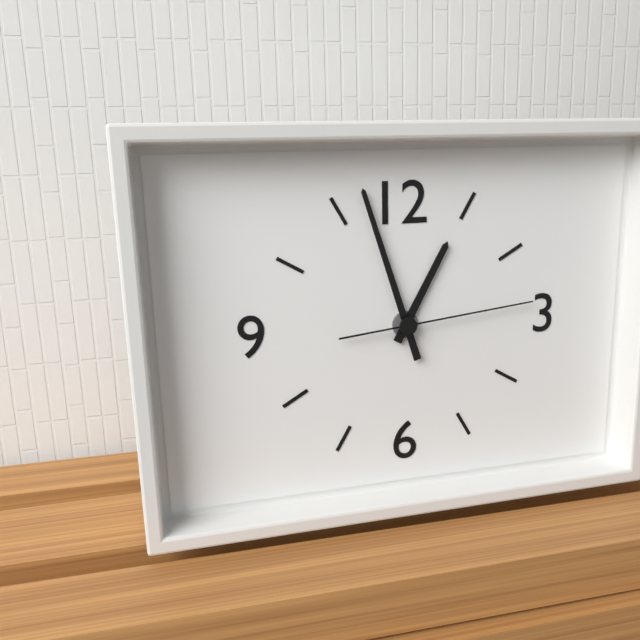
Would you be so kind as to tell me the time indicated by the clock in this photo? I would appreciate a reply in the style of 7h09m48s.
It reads 12h57m14s
